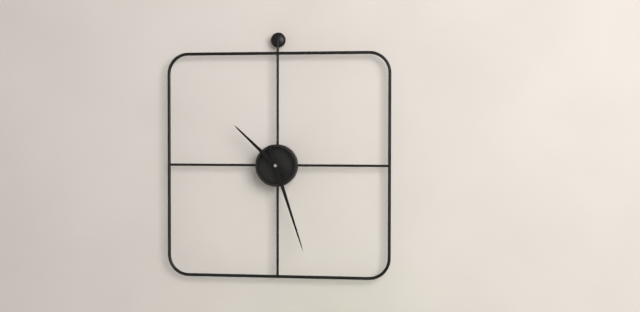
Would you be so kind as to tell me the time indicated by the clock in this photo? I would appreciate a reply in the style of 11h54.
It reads 10h27
